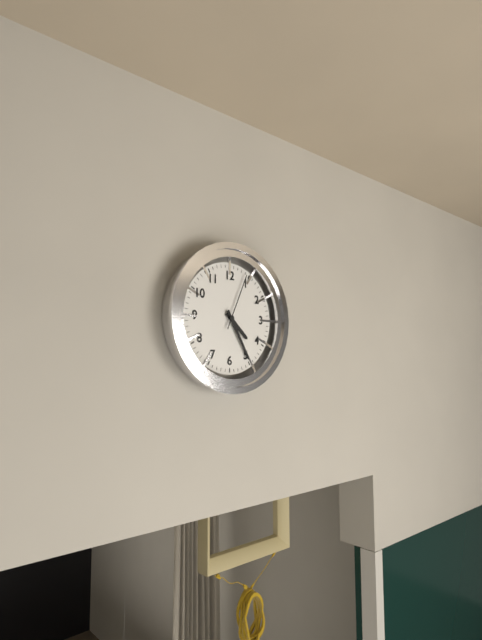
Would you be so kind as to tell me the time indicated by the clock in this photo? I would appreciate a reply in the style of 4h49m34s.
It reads 4h25m04s
